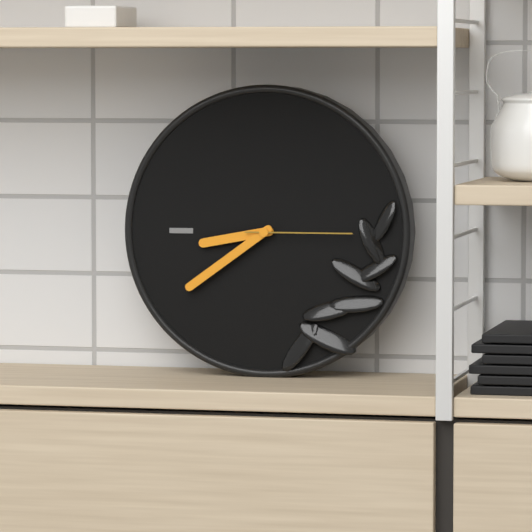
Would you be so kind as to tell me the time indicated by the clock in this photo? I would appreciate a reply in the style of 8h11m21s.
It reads 8h39m15s
